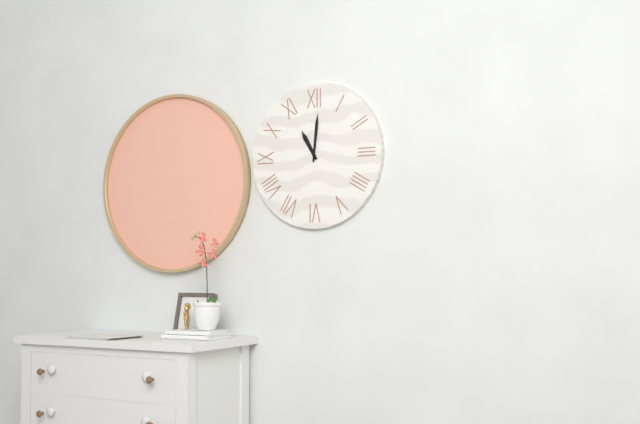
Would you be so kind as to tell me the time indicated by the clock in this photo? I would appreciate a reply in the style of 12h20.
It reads 11h01
